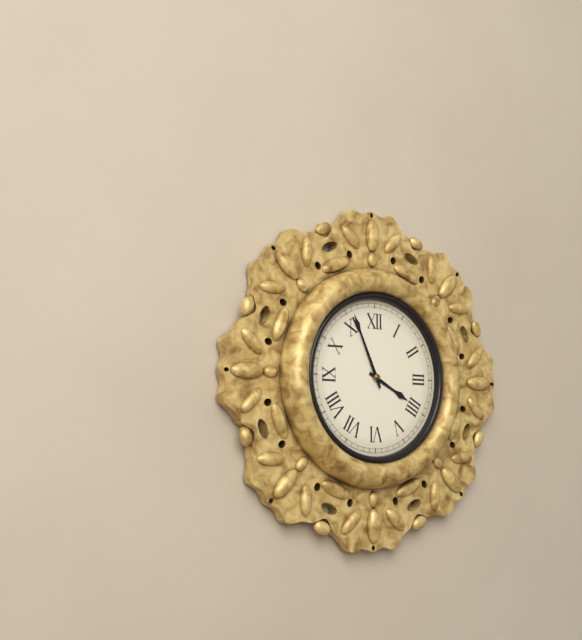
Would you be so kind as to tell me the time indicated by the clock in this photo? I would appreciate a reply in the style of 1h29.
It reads 3h56
